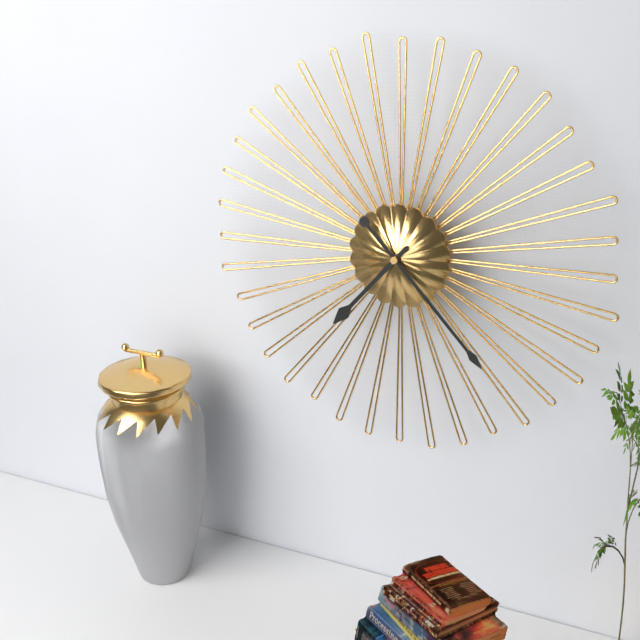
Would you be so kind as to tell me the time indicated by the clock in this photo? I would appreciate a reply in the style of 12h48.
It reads 7h23
